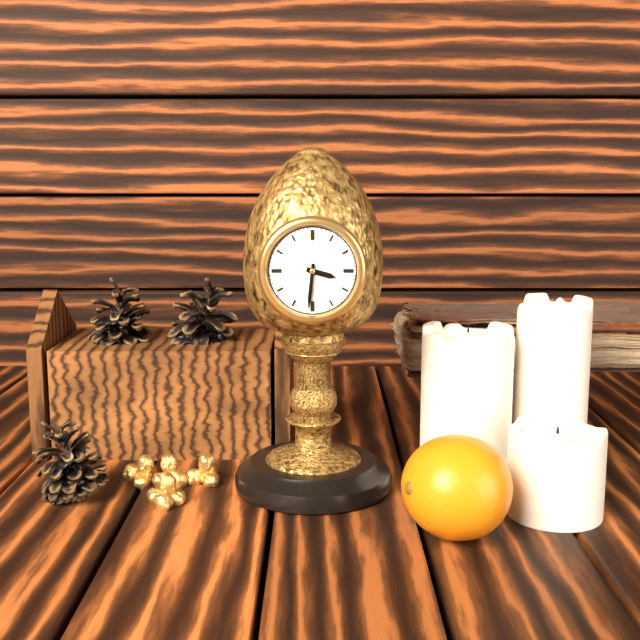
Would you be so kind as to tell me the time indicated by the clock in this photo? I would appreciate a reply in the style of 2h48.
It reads 3h31
